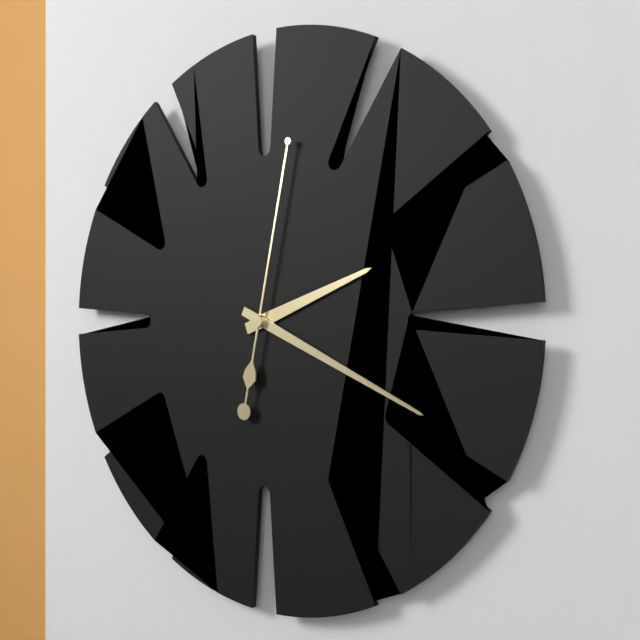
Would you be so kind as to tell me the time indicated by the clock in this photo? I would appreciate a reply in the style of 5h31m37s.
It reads 2h19m02s
